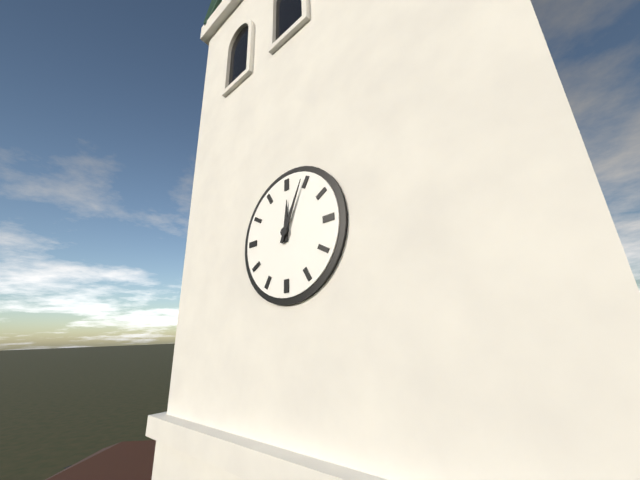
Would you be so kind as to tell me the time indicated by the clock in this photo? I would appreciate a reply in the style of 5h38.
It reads 12h04
